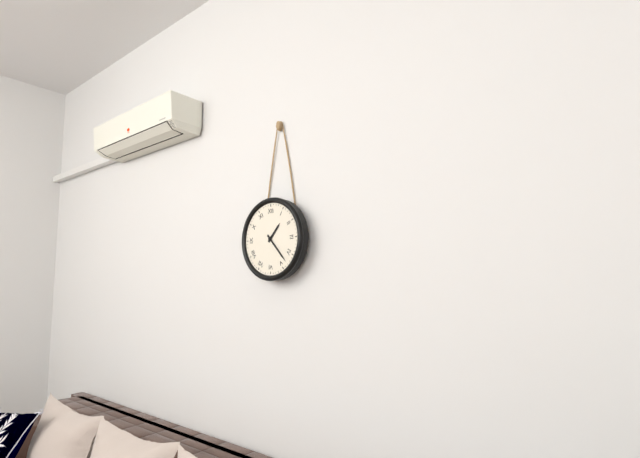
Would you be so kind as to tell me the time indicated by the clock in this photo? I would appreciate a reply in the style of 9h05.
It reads 1h23
